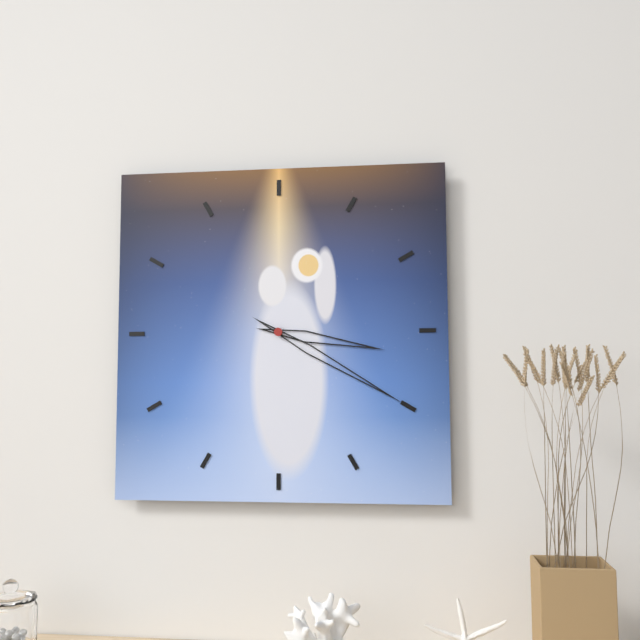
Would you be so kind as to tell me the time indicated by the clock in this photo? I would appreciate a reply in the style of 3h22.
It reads 3h20
